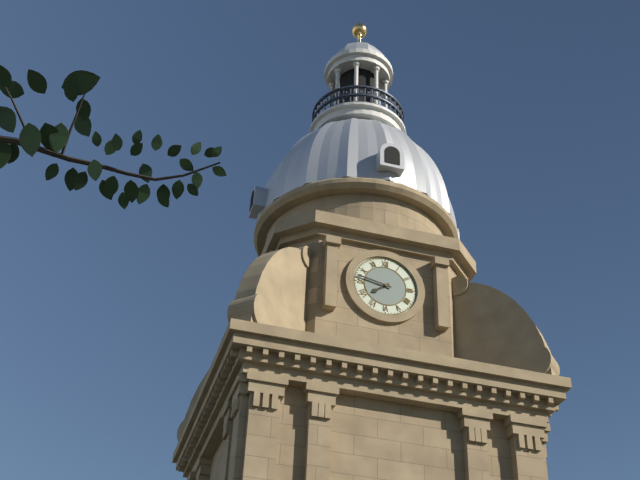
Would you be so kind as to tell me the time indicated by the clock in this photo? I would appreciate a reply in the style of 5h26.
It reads 7h47
